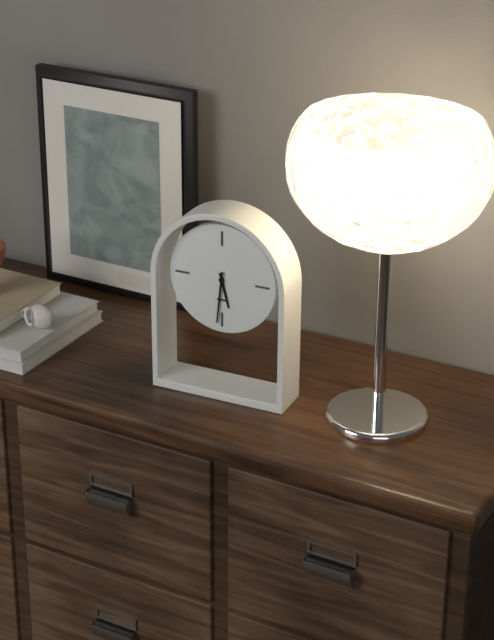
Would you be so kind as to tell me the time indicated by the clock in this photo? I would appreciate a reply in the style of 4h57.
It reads 5h31
